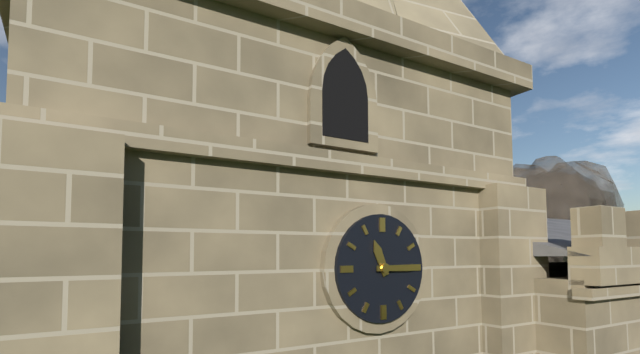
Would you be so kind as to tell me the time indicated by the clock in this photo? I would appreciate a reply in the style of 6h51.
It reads 11h15
